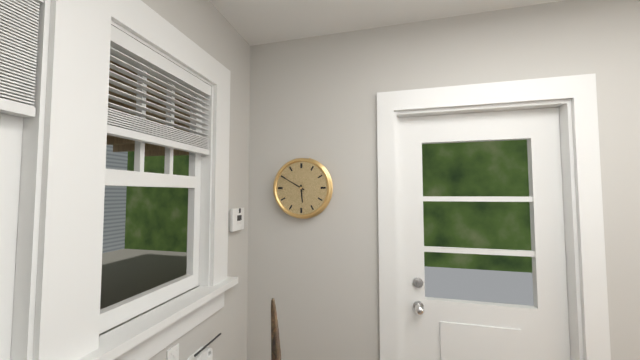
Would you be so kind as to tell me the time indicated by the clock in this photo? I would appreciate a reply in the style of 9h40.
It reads 5h50
